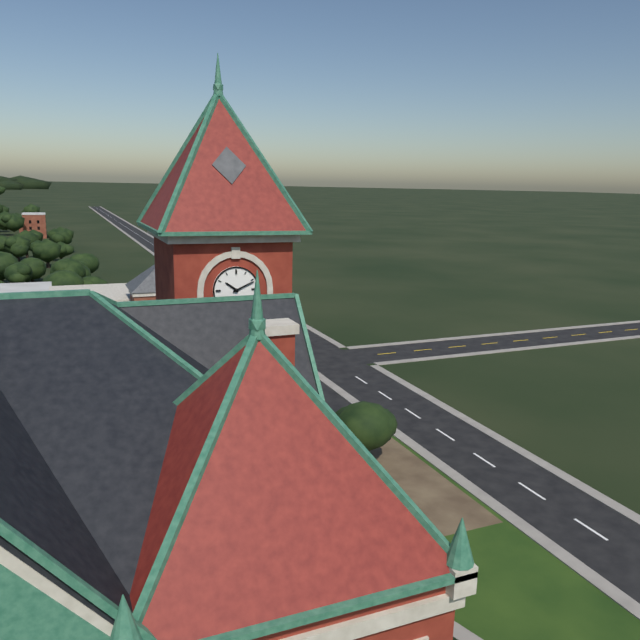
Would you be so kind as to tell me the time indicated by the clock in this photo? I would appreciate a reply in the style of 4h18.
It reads 10h11
